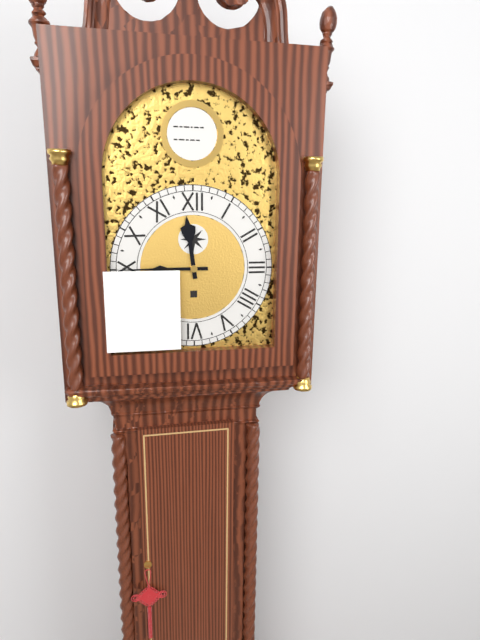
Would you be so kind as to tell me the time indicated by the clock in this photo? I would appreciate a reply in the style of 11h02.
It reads 11h45
